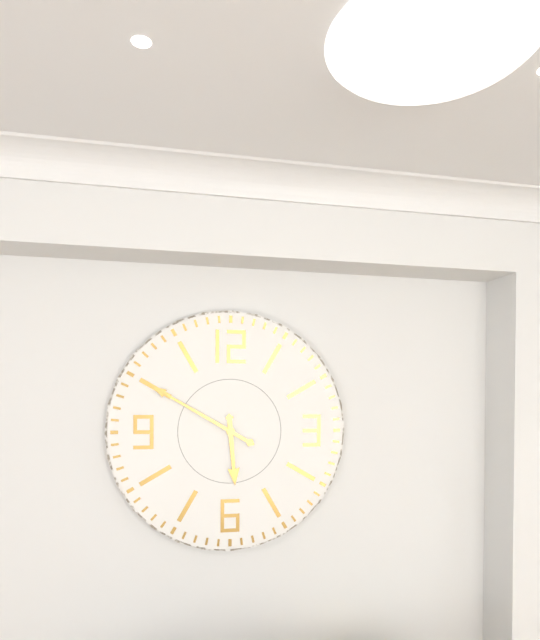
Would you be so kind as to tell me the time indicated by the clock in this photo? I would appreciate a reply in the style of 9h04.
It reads 5h50
